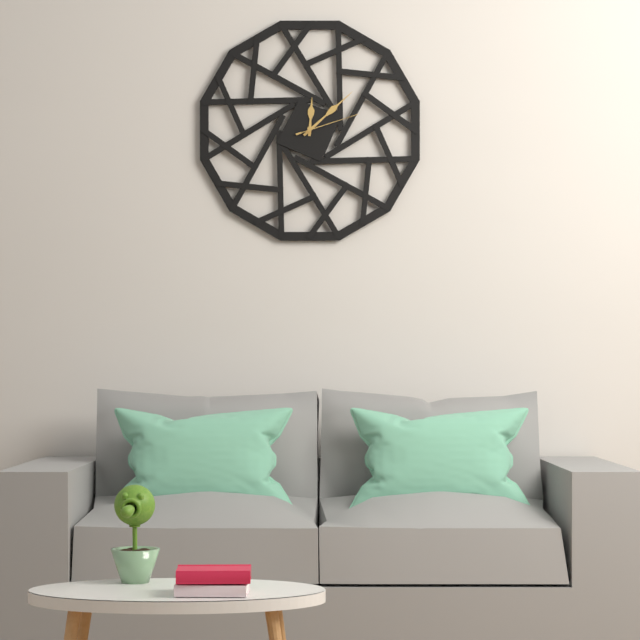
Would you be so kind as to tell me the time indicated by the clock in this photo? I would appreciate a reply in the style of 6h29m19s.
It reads 12h08m12s
